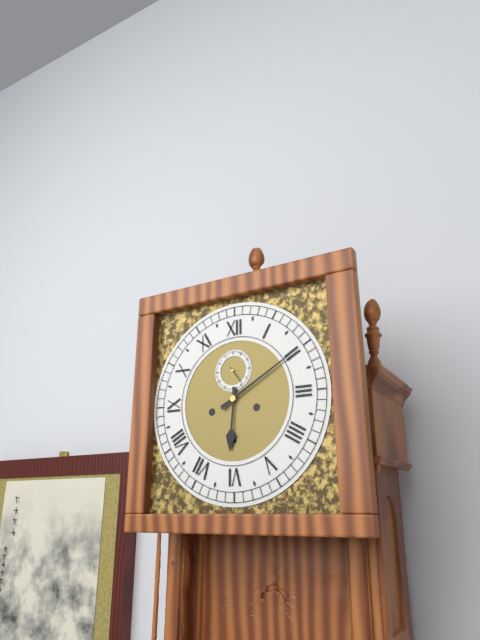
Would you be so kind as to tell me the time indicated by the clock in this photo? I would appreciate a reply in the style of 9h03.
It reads 6h10
